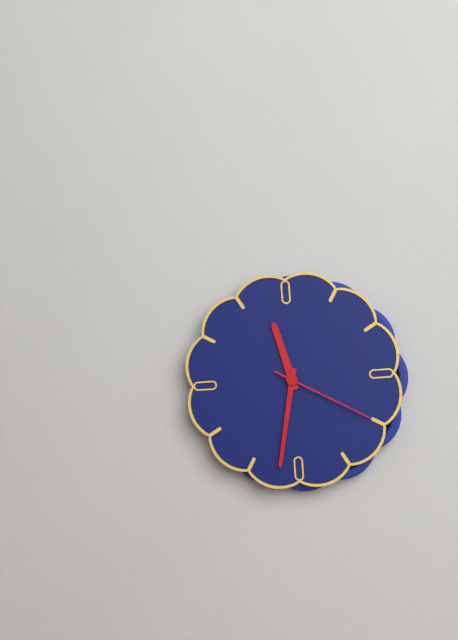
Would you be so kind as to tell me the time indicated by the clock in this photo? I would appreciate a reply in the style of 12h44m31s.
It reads 11h32m20s
